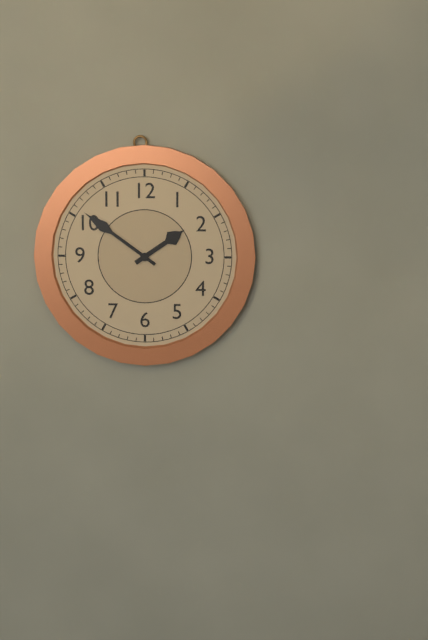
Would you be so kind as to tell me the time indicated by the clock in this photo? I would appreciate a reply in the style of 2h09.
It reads 1h51
